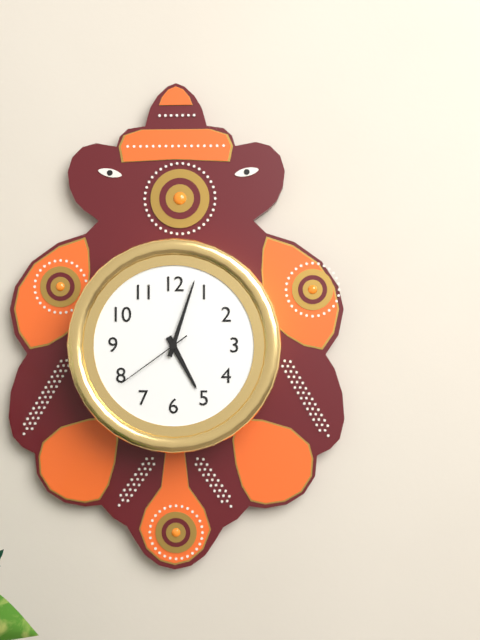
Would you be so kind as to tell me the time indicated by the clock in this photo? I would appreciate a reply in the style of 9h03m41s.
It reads 5h03m39s
